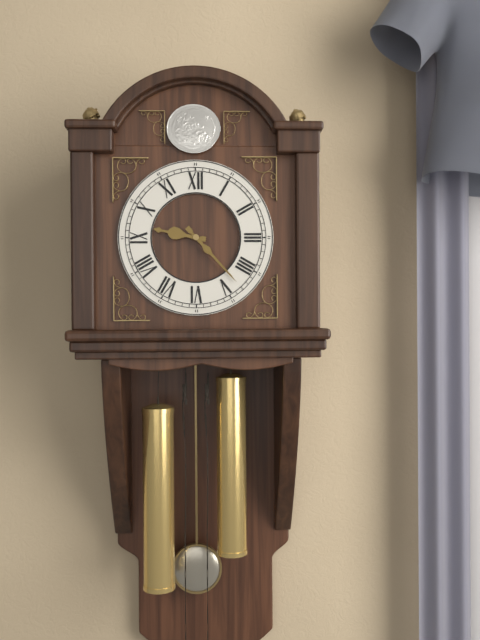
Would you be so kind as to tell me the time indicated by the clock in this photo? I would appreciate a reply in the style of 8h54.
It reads 9h23
